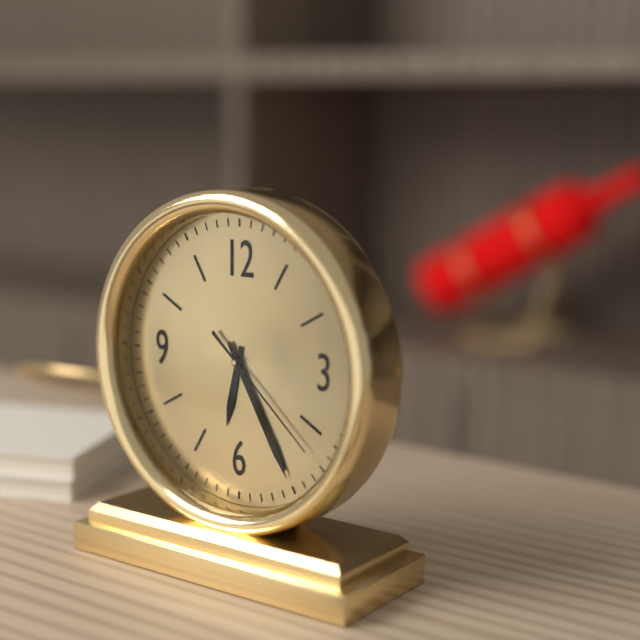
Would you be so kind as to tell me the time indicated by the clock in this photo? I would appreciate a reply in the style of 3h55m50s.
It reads 6h25m22s
